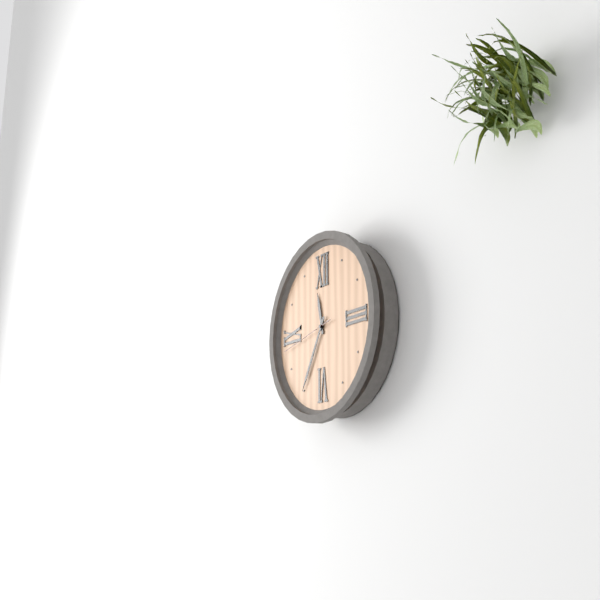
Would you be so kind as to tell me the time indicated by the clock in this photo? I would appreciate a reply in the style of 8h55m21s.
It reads 11h35m43s
